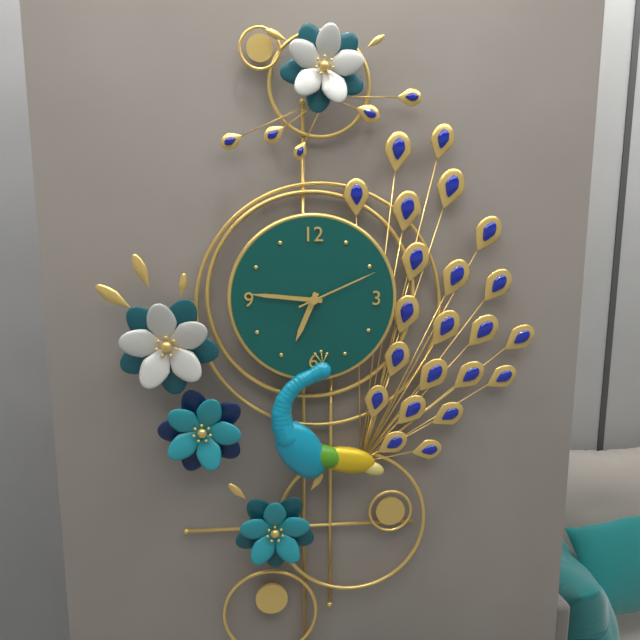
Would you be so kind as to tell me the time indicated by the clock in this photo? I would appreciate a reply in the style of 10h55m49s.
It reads 6h46m11s
